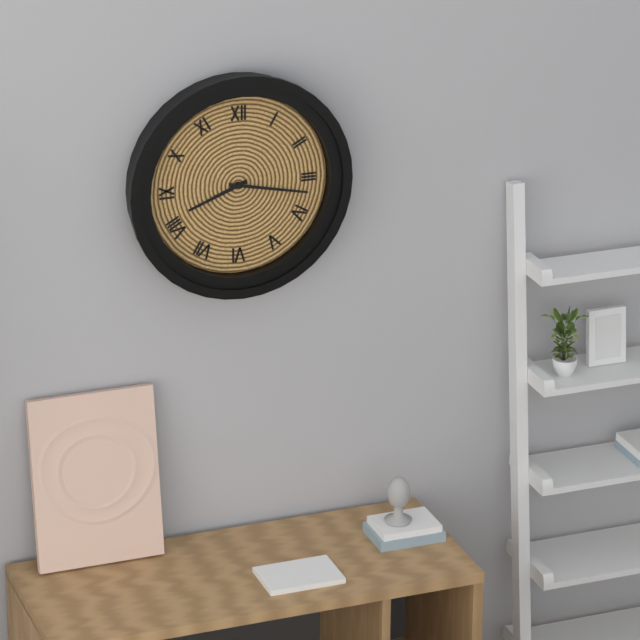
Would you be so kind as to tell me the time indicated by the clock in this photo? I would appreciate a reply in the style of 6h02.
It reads 8h17
